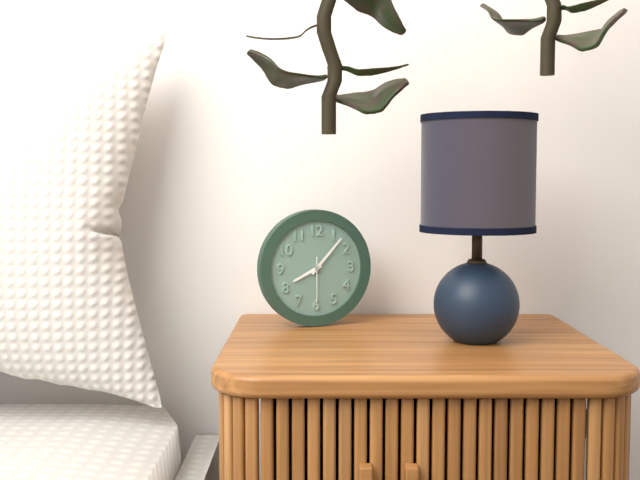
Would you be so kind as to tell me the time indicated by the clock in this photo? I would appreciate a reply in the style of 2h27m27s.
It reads 8h07m30s
